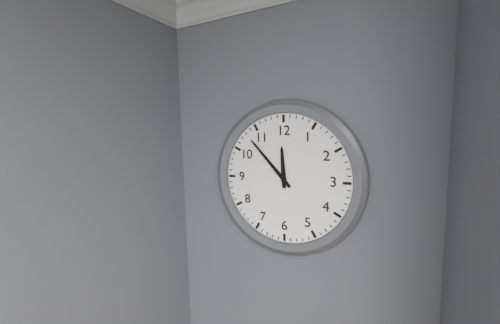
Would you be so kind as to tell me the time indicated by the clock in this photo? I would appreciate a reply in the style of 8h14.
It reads 11h53
